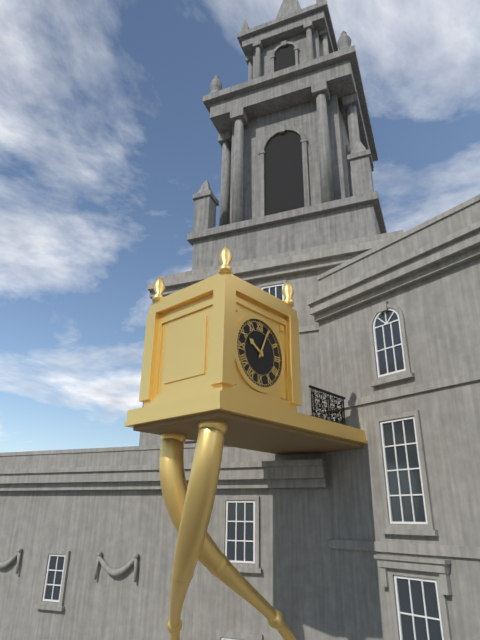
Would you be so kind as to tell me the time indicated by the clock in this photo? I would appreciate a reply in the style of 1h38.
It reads 10h04
